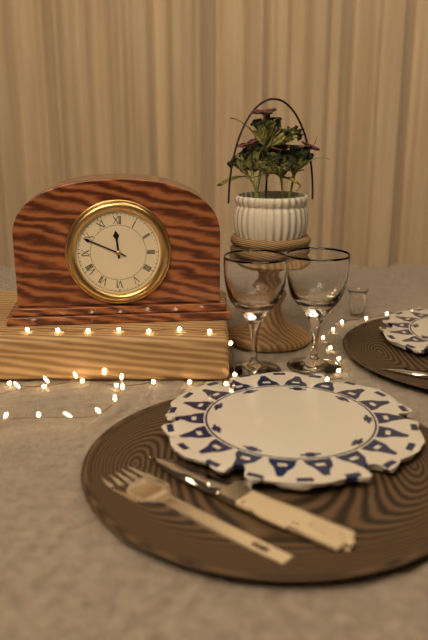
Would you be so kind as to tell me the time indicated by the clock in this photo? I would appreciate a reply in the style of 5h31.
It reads 11h49
